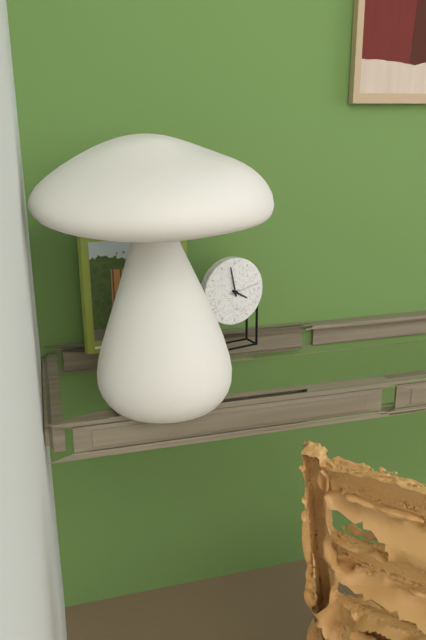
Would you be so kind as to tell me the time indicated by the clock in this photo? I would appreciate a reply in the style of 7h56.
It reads 3h58
